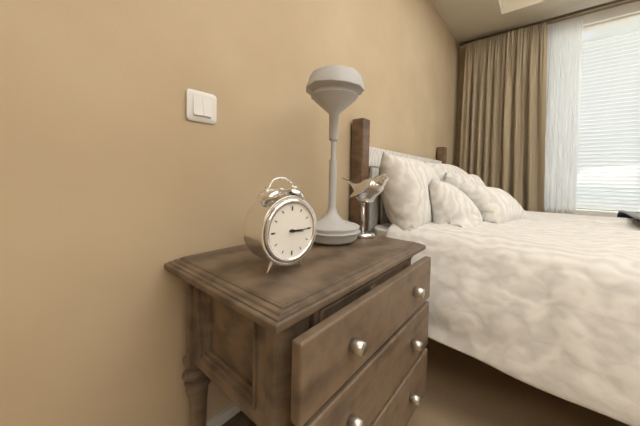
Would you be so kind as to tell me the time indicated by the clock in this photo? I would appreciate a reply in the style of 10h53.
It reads 3h15
